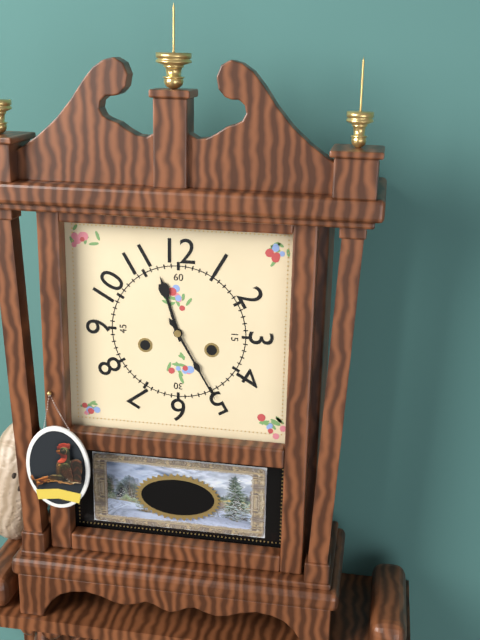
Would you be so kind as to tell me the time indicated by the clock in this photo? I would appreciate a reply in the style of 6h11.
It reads 11h25
